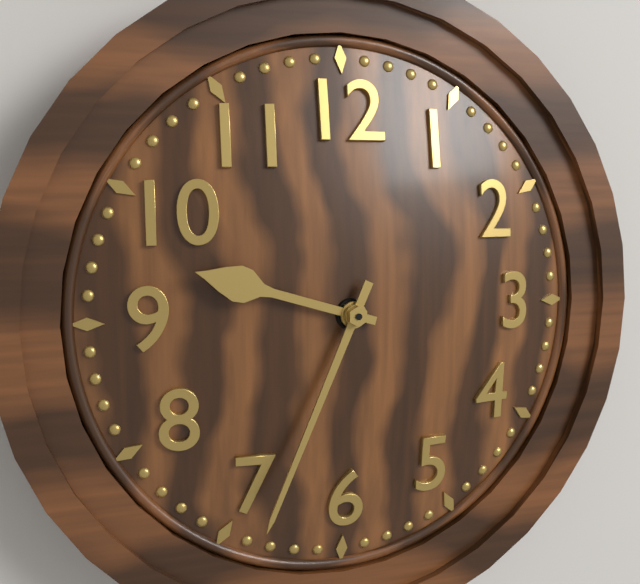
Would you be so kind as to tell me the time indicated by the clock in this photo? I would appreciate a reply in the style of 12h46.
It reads 9h34
